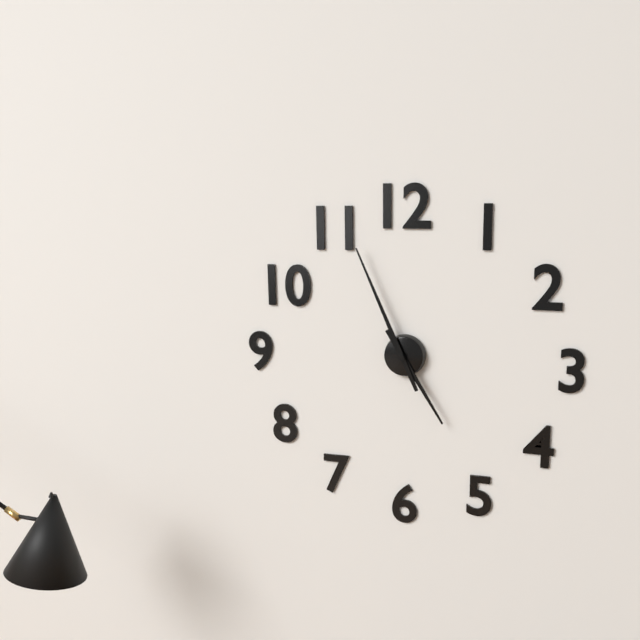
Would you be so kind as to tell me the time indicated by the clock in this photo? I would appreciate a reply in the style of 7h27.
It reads 4h56
